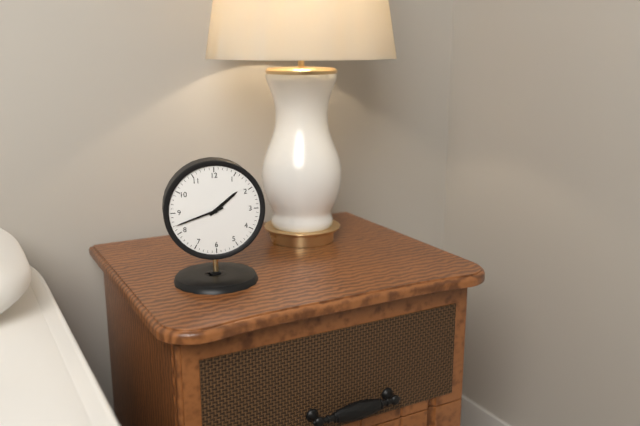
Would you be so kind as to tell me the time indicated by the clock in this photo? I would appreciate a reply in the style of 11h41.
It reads 1h42
